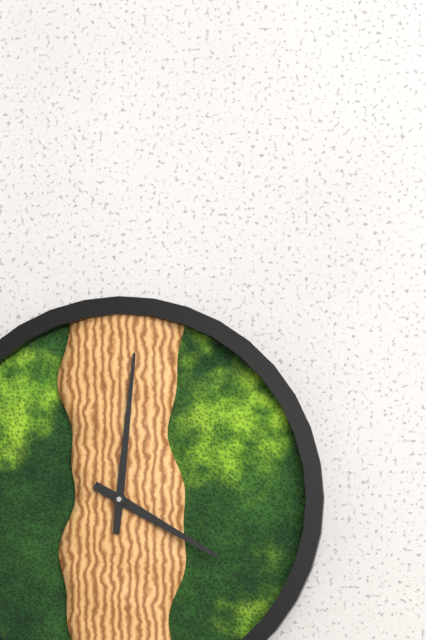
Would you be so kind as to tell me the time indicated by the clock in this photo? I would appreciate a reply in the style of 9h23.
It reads 4h01
